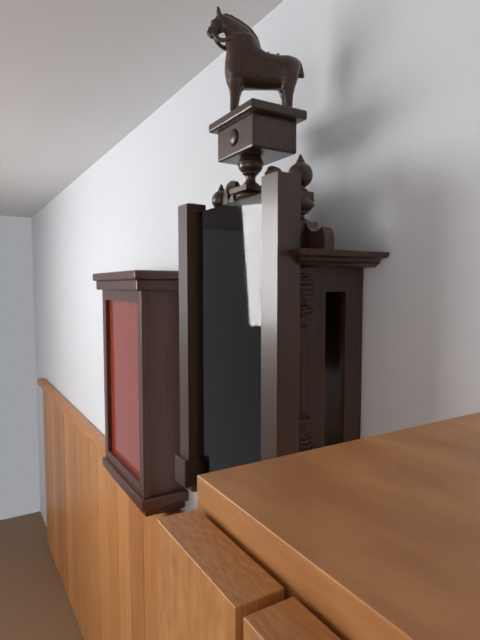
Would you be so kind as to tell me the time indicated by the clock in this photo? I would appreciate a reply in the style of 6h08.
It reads 10h01
